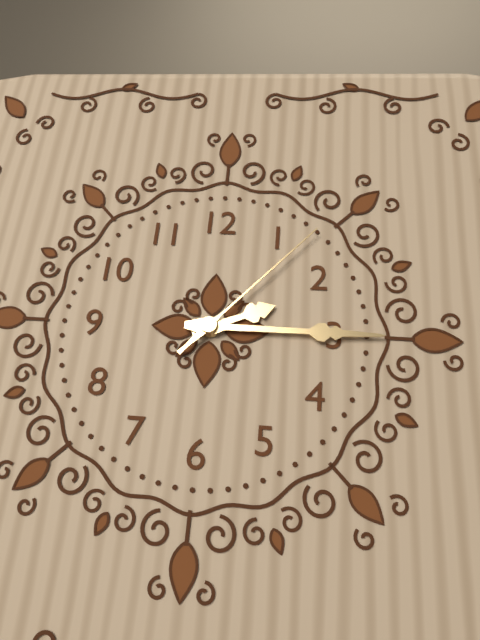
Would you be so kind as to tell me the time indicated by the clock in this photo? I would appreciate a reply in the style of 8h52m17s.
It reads 2h15m07s
